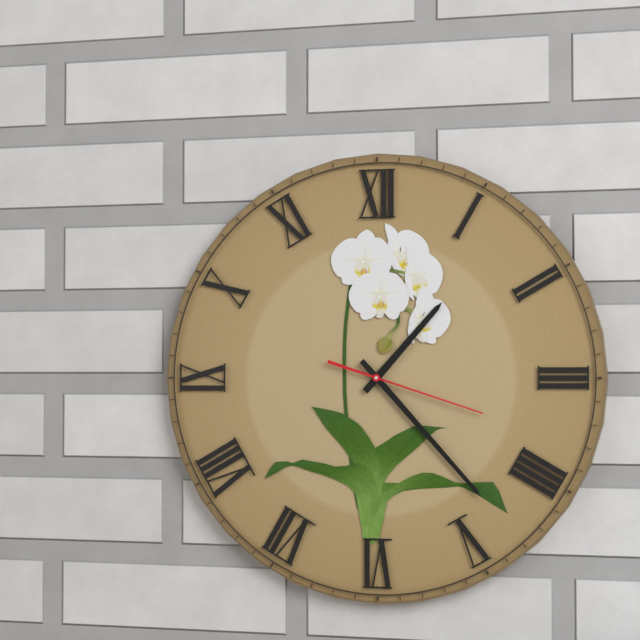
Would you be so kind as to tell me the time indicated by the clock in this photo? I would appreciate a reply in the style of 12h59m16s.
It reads 1h23m18s
